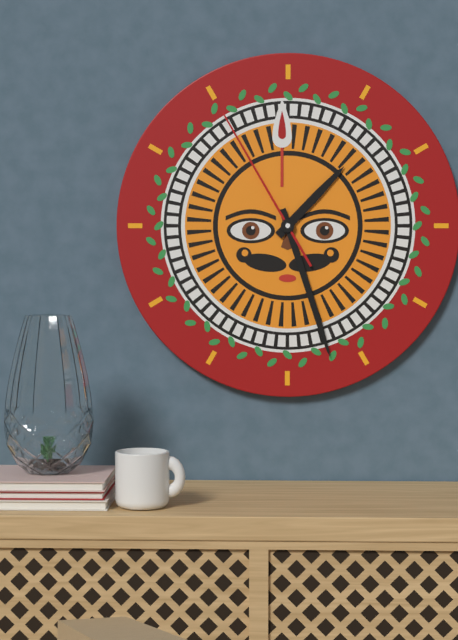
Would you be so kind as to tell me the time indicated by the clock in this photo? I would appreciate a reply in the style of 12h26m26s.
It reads 1h27m55s
